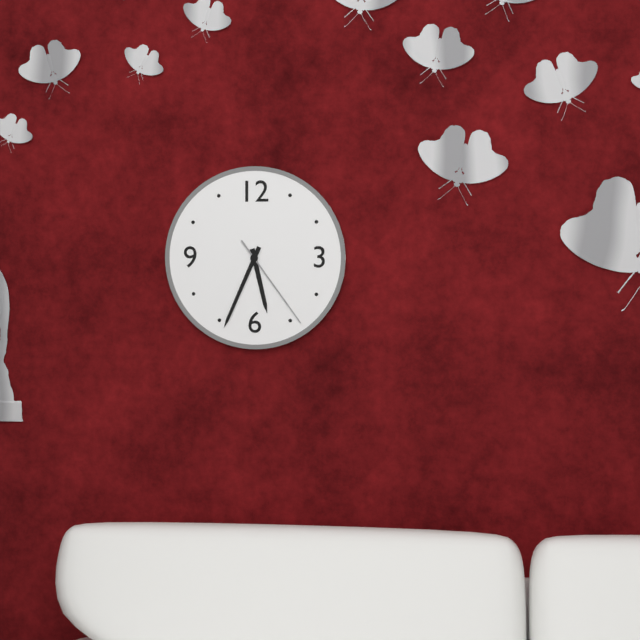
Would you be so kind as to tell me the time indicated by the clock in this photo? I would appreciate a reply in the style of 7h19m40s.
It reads 5h34m24s
